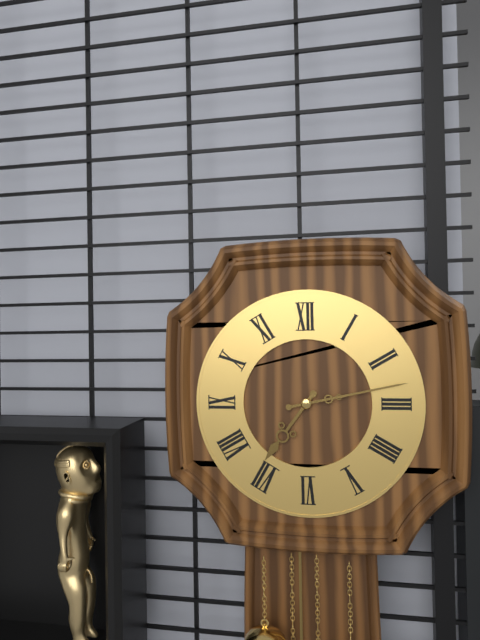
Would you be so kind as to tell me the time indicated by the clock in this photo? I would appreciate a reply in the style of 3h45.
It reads 7h13
